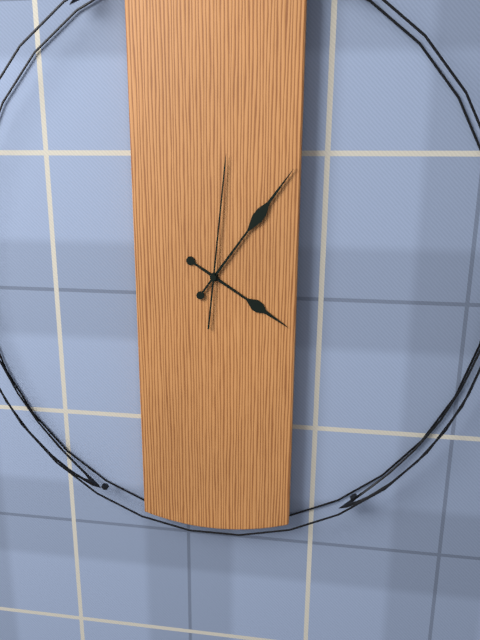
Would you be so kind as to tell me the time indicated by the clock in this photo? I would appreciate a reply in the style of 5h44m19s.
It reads 4h06m01s
